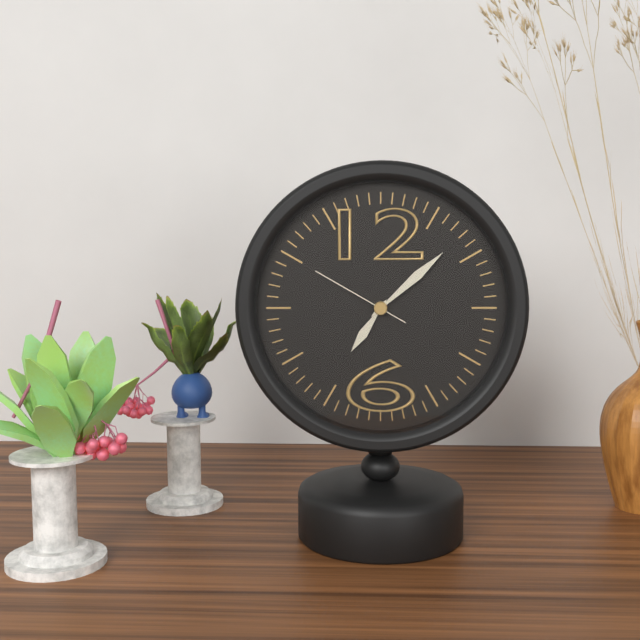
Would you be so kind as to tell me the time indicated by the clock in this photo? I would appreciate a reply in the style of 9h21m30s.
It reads 7h08m50s
